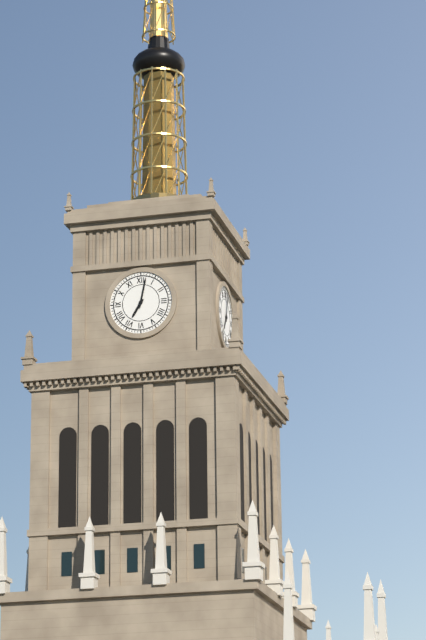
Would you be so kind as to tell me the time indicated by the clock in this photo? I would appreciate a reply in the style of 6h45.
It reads 7h02
